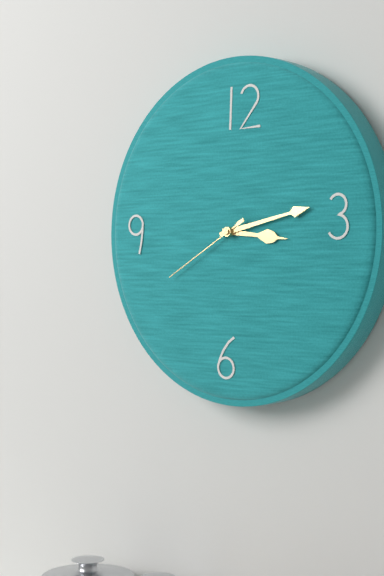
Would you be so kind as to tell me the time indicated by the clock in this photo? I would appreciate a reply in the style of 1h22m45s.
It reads 3h13m40s
